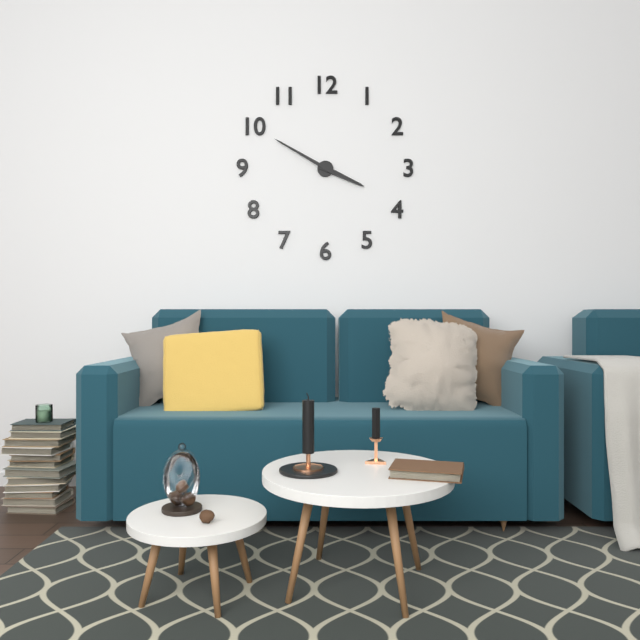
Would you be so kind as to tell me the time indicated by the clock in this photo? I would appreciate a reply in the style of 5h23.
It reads 3h50
